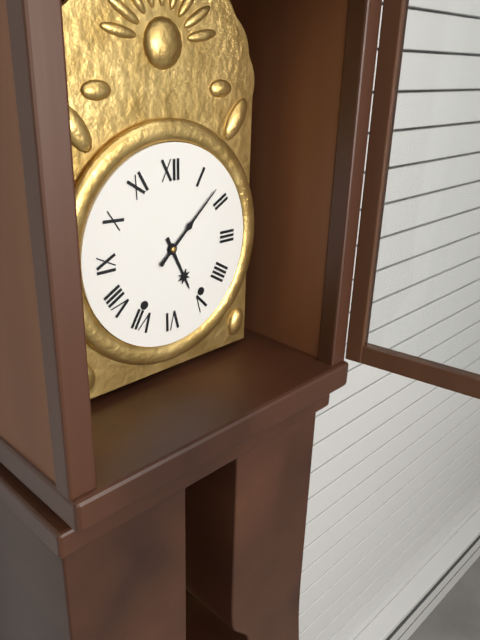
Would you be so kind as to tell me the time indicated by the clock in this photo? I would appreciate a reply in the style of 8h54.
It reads 5h08
